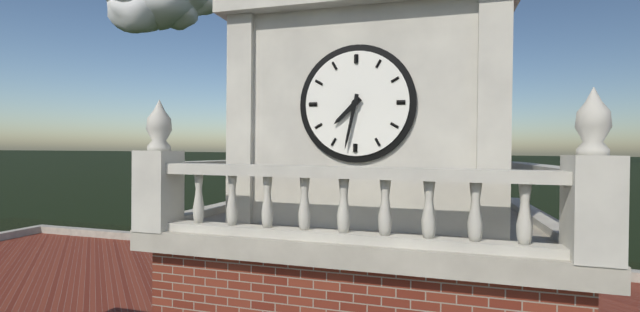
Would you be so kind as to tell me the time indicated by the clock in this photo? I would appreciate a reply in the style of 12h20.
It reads 7h32
